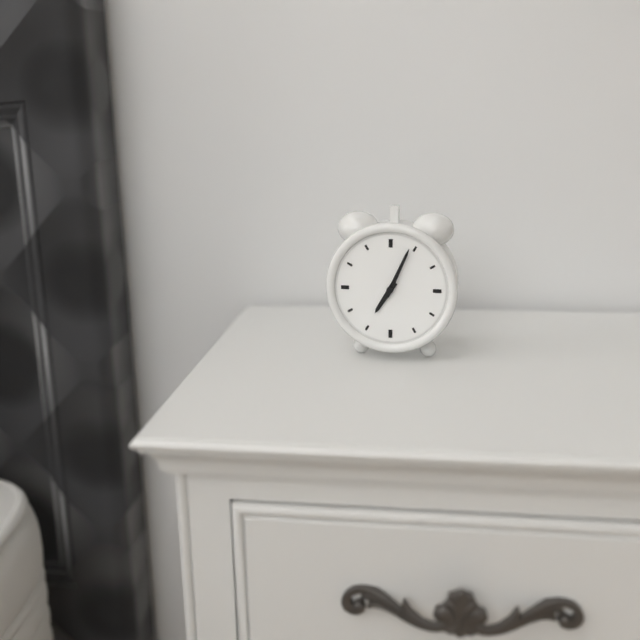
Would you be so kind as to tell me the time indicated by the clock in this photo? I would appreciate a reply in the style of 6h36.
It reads 7h04
